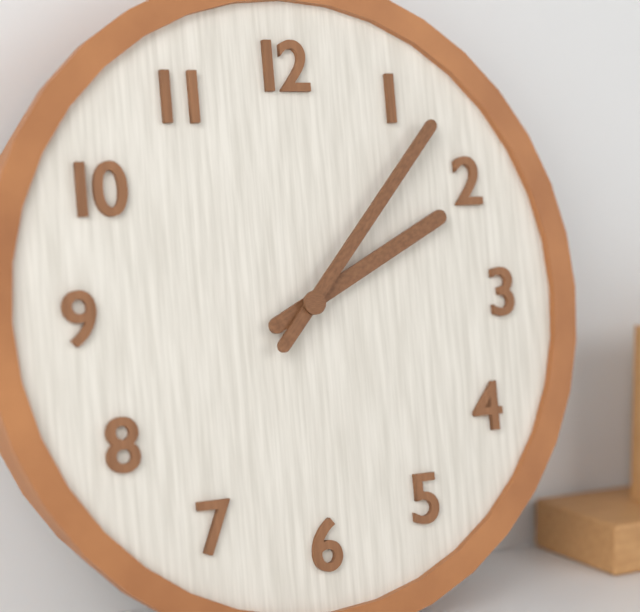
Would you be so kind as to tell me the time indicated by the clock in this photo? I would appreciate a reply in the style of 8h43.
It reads 2h07
